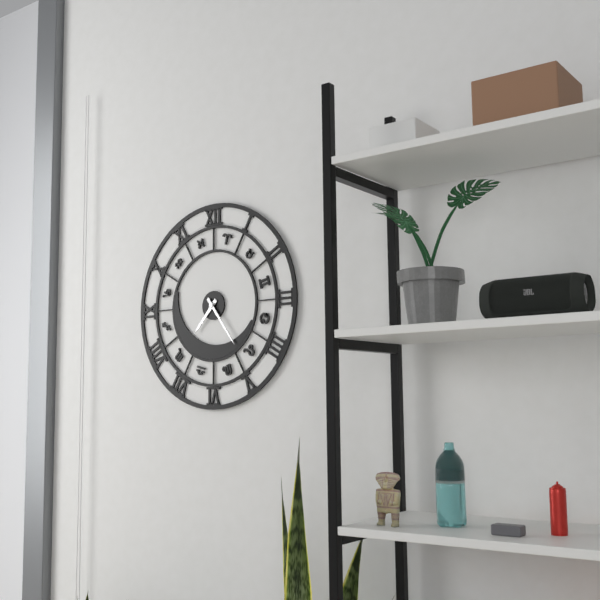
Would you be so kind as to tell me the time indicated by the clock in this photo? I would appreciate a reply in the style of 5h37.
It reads 7h24
